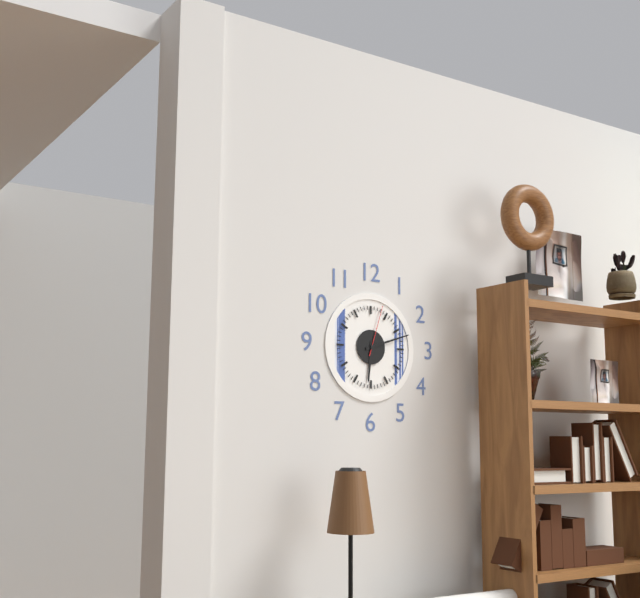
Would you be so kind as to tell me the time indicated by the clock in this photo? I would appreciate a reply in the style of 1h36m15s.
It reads 6h12m03s
